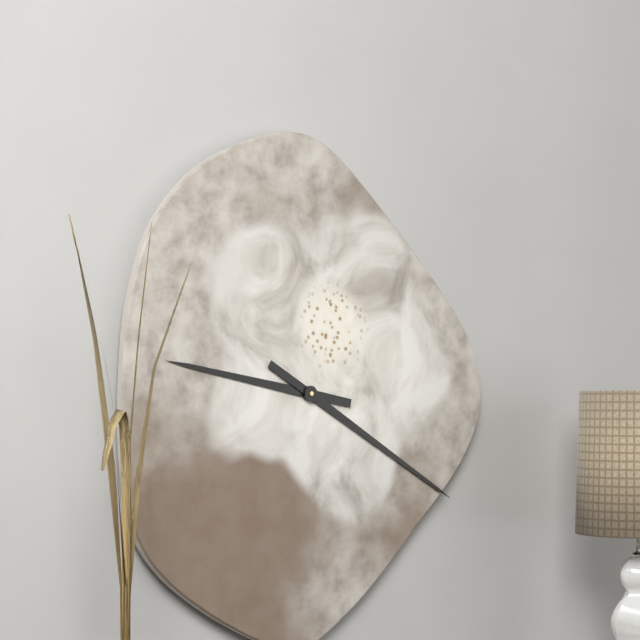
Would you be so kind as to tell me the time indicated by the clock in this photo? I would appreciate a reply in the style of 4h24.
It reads 9h20
